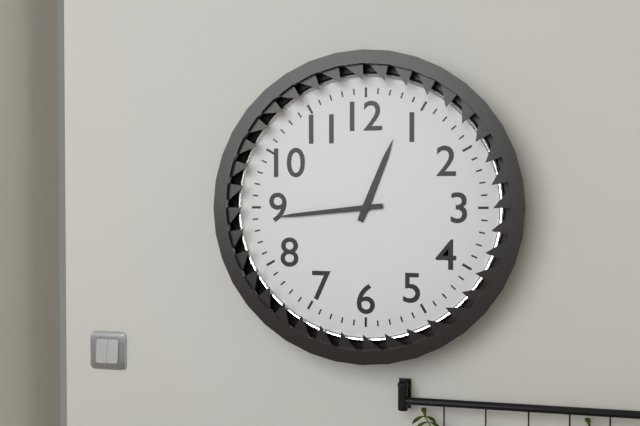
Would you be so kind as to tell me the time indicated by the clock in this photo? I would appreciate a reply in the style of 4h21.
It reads 12h44
